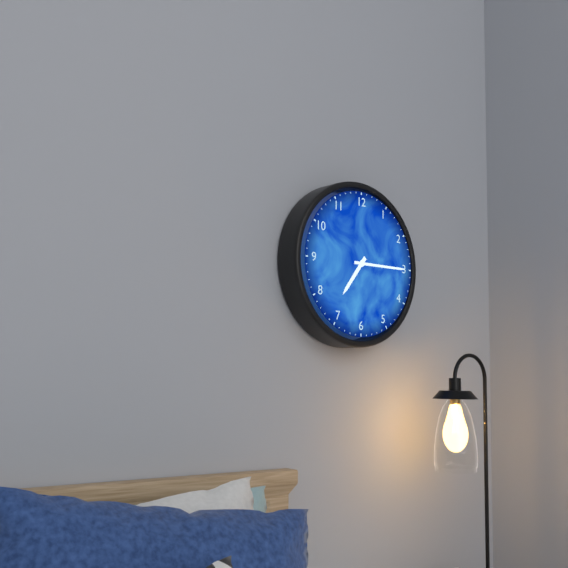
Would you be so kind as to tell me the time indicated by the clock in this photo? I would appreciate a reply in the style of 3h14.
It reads 7h15
